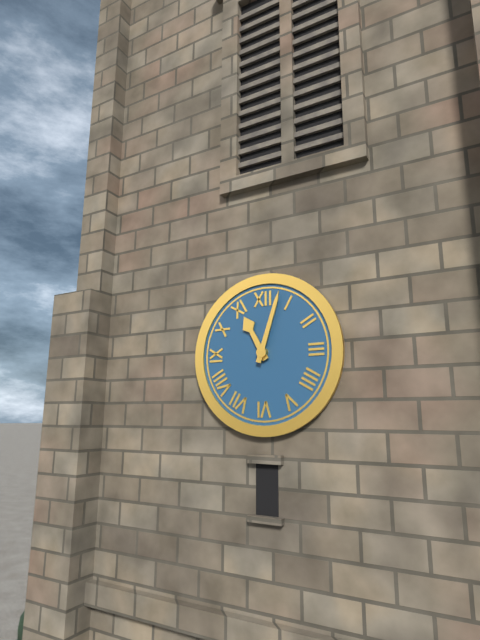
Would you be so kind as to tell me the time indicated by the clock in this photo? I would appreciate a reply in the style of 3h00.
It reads 11h03
